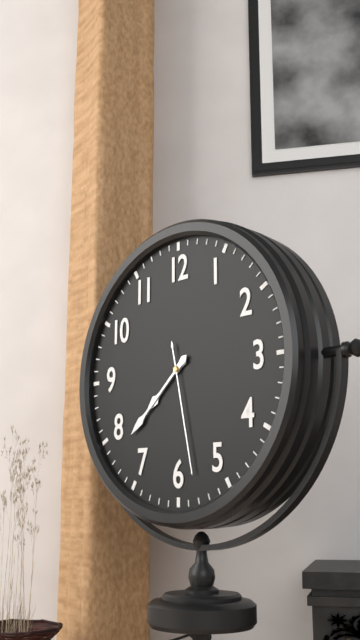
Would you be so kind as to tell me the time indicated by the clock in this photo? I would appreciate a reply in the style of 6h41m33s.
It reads 7h38m28s
